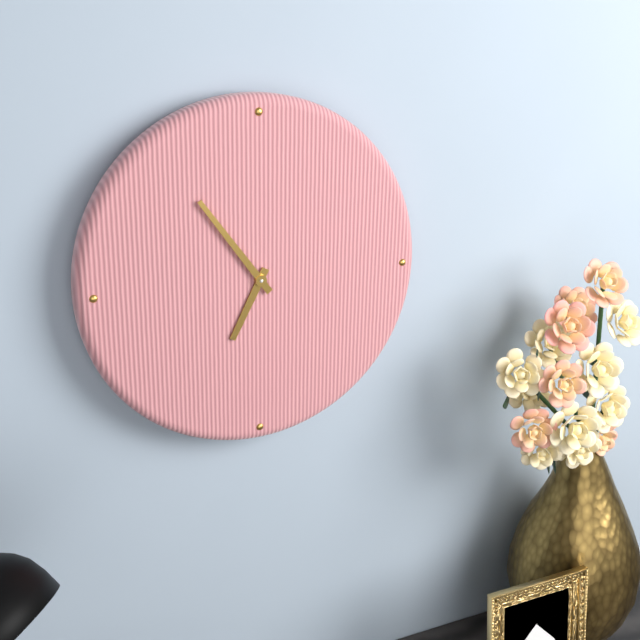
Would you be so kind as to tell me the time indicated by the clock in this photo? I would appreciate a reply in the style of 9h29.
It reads 6h54
